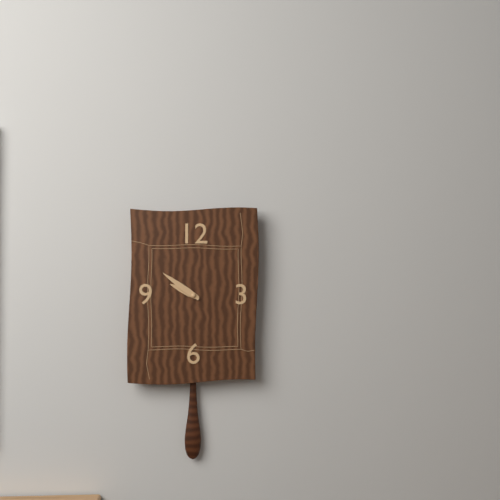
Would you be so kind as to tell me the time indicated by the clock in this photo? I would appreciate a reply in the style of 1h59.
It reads 9h51
